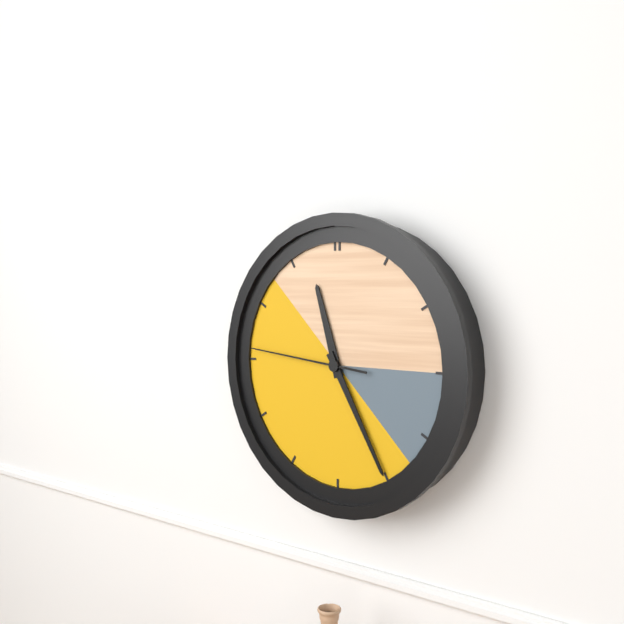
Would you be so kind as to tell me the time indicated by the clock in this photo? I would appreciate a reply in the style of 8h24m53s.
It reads 11h25m46s
